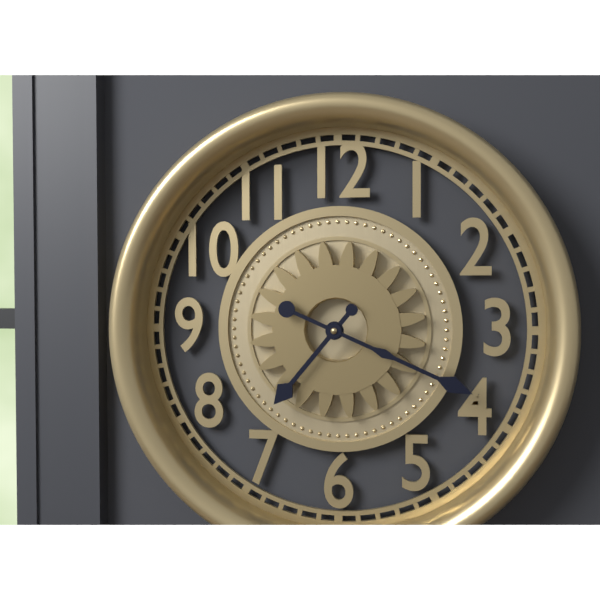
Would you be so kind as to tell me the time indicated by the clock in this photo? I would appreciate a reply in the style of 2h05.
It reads 7h19
